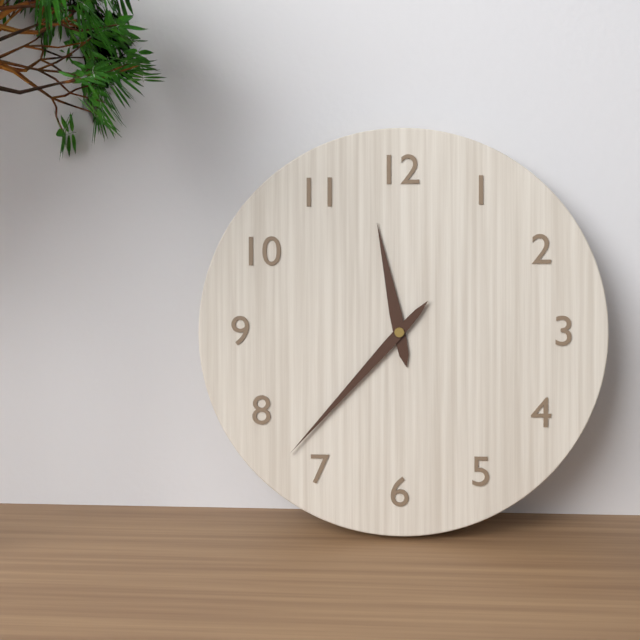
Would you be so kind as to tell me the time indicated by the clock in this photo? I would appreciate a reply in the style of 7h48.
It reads 11h37
